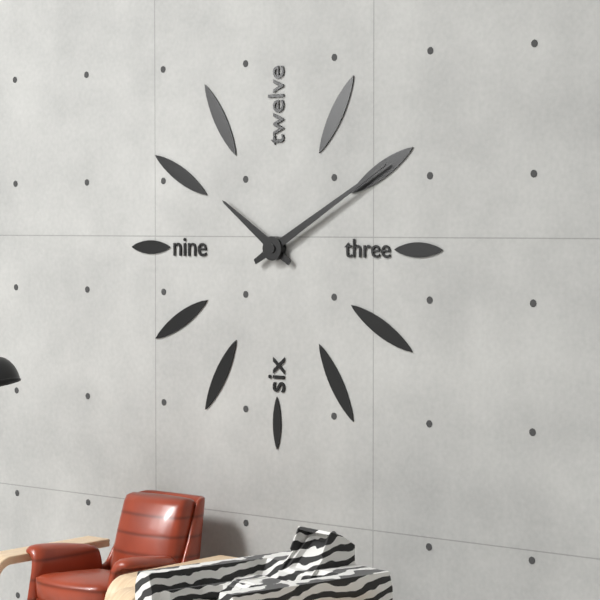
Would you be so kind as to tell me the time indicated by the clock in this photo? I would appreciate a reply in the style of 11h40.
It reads 10h10
